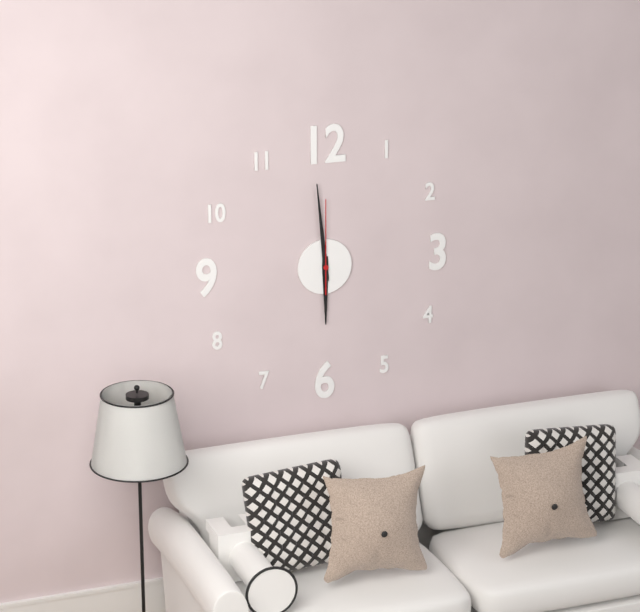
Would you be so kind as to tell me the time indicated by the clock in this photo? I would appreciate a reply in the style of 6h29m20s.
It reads 5h59m00s
